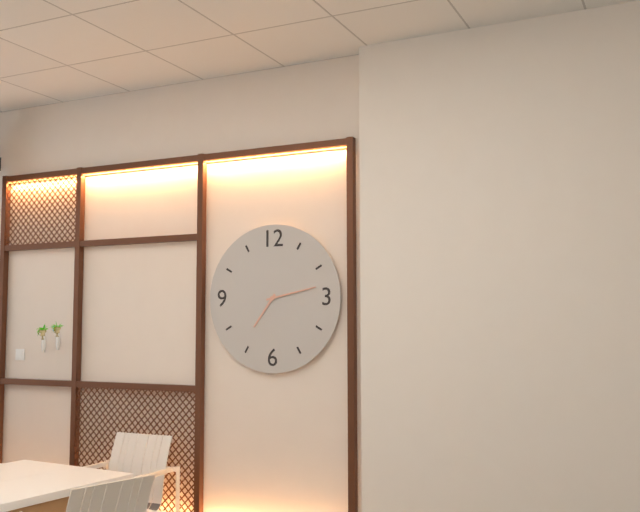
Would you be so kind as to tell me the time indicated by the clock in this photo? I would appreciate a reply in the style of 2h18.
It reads 7h13
